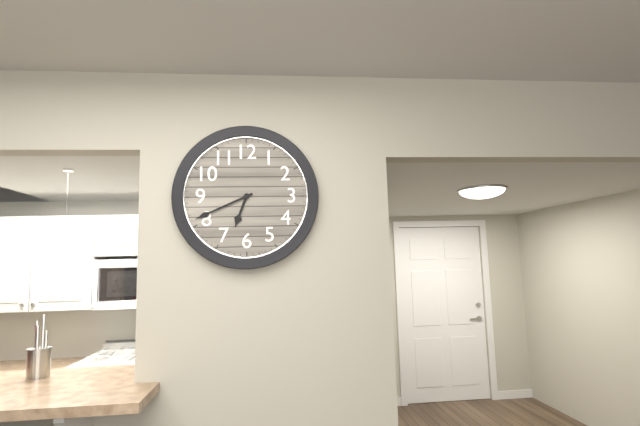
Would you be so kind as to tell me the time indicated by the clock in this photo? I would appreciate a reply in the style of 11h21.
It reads 6h41
